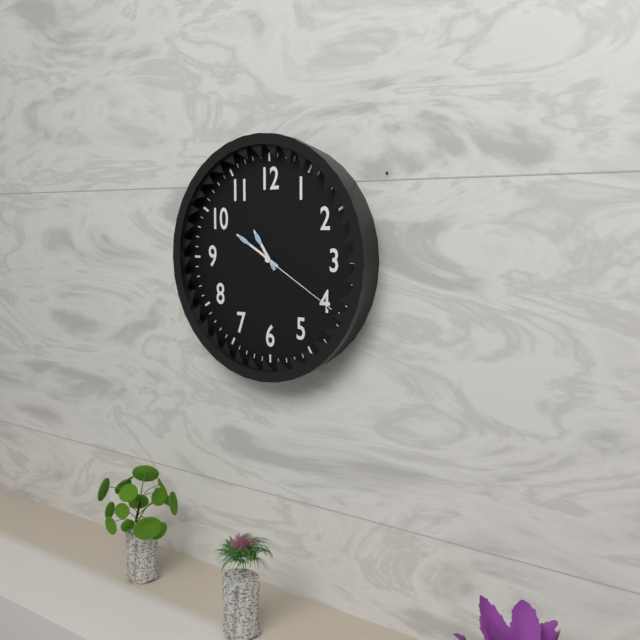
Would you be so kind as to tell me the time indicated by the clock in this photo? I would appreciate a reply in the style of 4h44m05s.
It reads 10h50m20s
